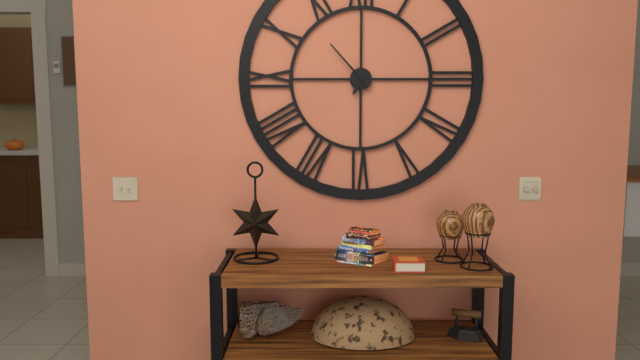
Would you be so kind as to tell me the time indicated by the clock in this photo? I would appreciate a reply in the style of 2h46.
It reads 6h53
